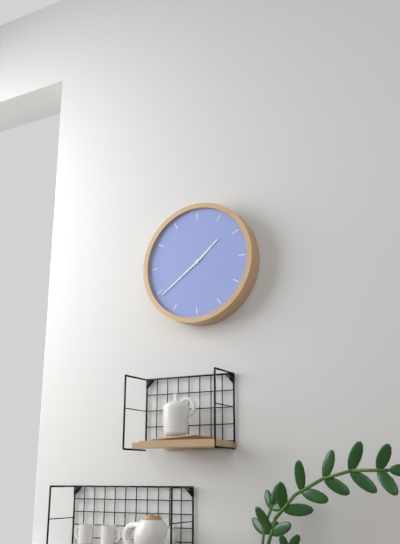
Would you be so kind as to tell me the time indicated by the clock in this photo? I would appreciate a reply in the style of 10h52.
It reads 1h39
